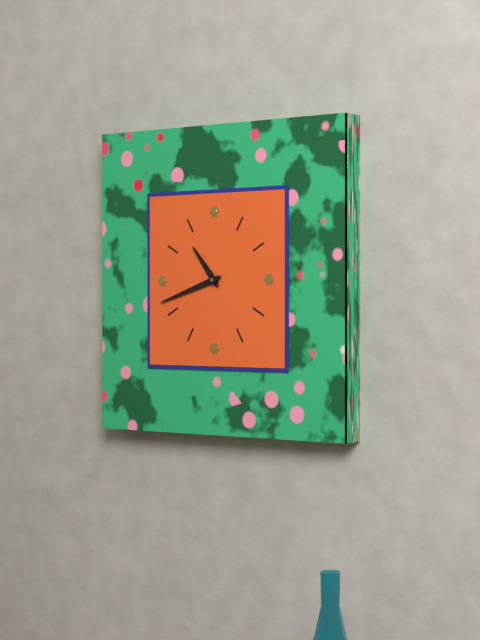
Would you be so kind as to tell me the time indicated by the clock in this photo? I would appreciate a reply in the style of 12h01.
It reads 10h42
